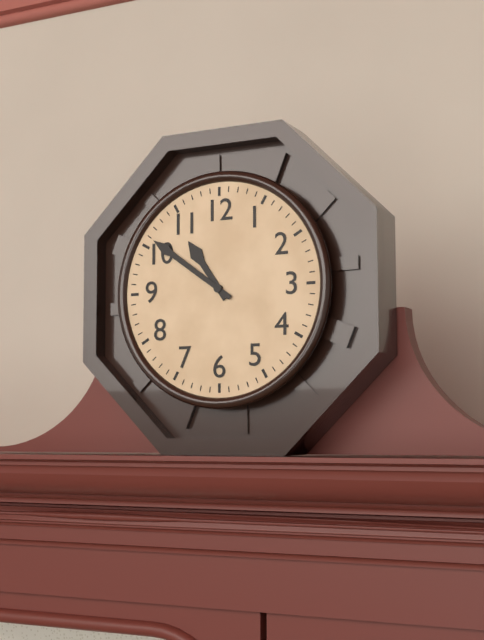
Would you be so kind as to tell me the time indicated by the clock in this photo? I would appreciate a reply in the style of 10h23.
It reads 10h51
